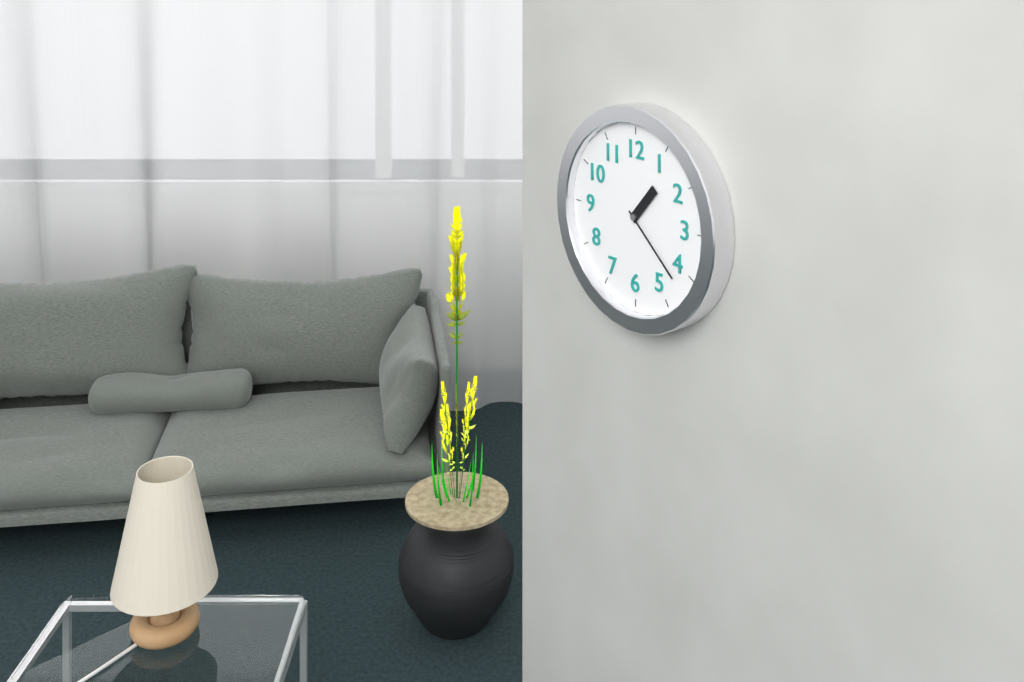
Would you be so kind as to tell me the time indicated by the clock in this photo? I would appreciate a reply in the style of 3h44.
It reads 1h22
